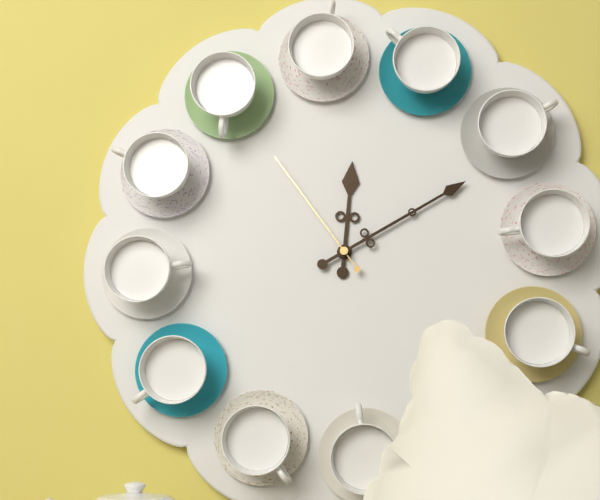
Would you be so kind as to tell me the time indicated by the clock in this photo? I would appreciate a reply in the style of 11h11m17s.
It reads 12h10m54s
